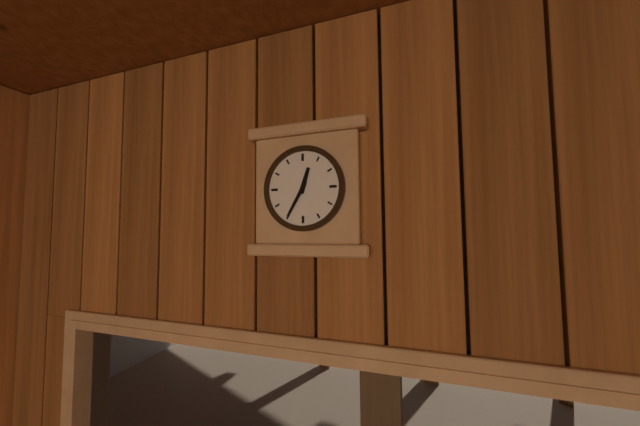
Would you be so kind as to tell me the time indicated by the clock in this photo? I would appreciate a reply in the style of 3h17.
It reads 12h35
